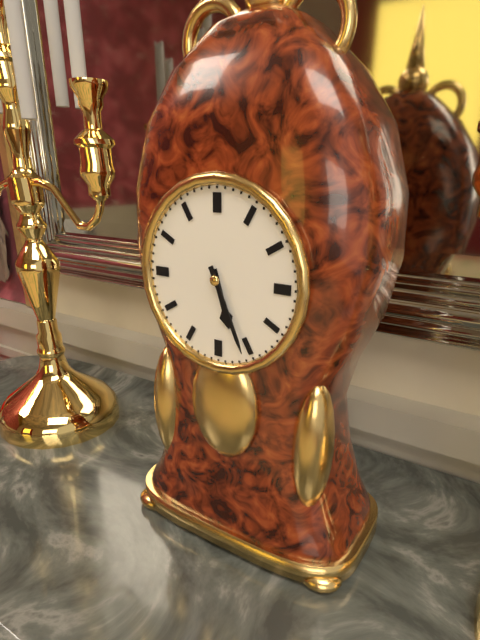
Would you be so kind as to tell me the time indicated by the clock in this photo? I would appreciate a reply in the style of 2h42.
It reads 5h26
